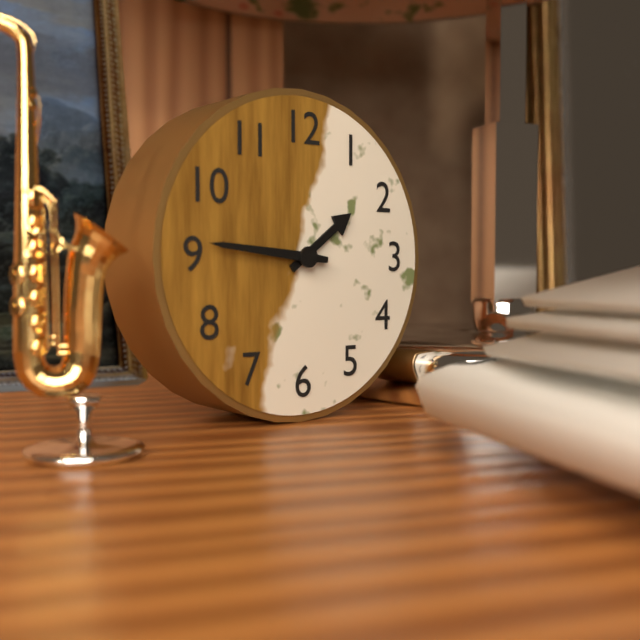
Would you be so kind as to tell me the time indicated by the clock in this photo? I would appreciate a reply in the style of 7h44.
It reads 1h46
